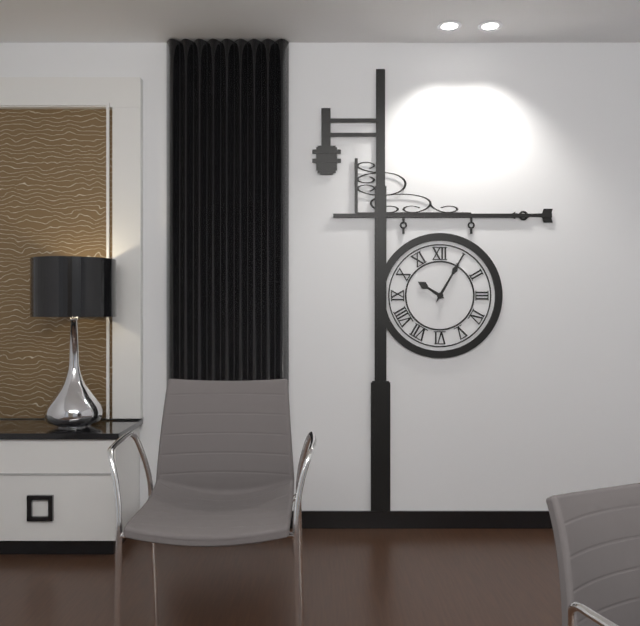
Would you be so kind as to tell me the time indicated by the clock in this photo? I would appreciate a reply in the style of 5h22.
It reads 10h05
